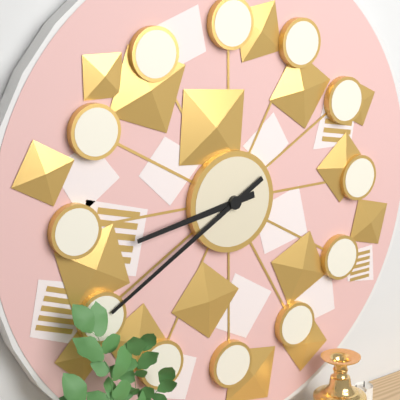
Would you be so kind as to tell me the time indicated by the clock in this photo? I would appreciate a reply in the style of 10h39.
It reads 8h40
